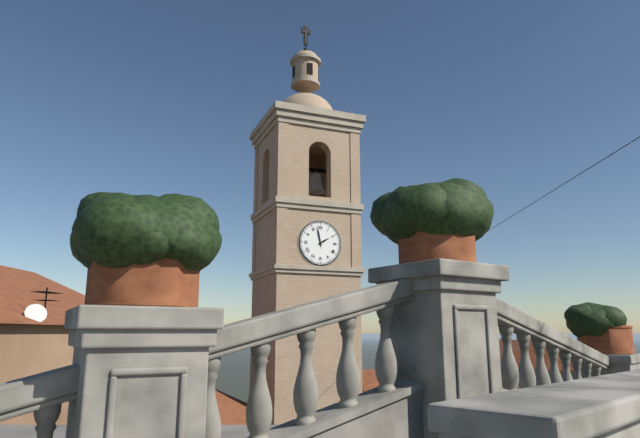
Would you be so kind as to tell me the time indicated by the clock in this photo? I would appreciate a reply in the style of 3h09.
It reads 1h58
